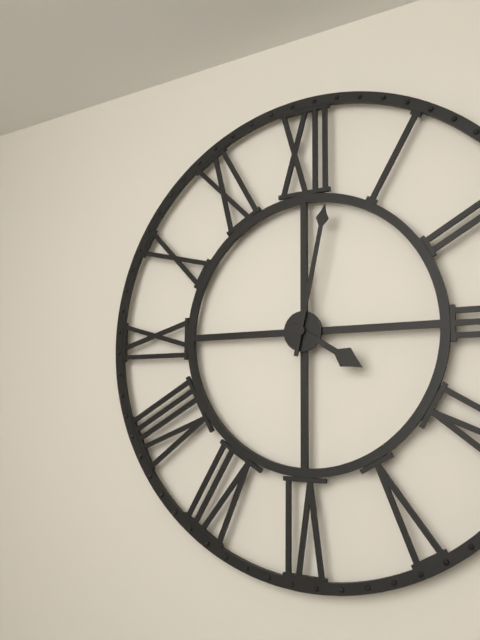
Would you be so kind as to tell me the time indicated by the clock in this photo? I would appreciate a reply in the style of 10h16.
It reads 4h02
